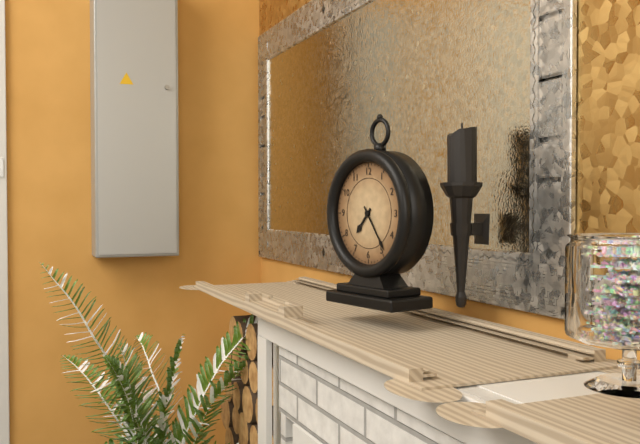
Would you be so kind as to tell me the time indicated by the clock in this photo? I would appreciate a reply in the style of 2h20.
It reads 7h24
